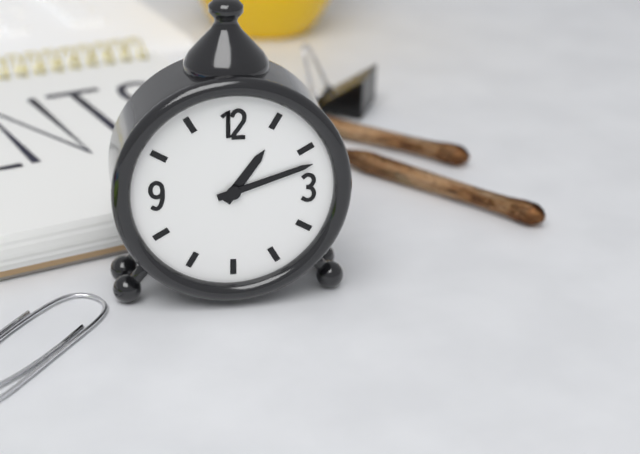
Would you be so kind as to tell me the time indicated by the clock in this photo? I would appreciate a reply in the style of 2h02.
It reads 1h12
